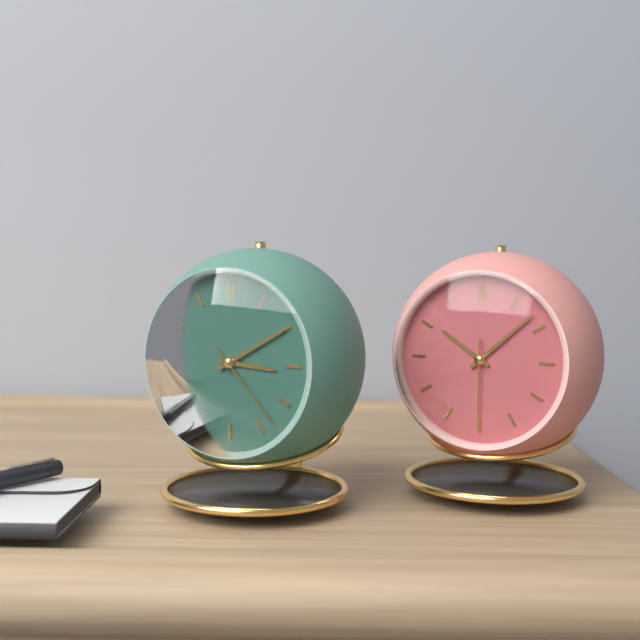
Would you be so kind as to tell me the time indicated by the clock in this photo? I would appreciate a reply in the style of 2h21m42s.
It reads 3h10m23s
